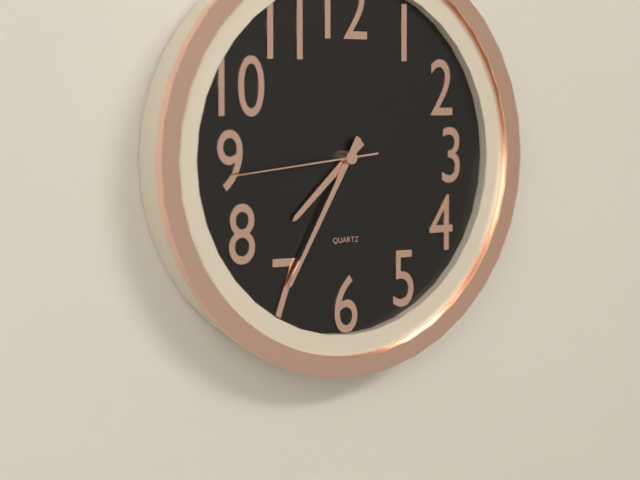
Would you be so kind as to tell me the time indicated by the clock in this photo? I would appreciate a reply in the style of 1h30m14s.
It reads 7h35m44s
